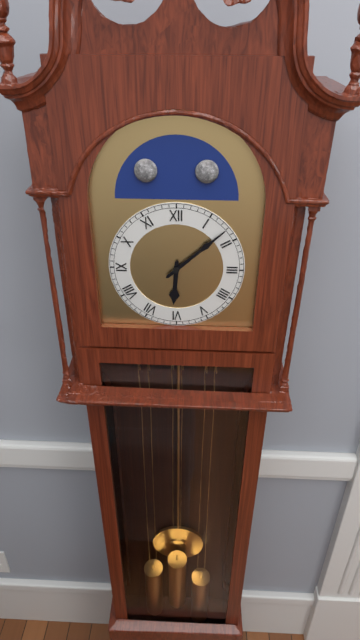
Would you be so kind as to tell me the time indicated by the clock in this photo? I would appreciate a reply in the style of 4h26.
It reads 6h08
